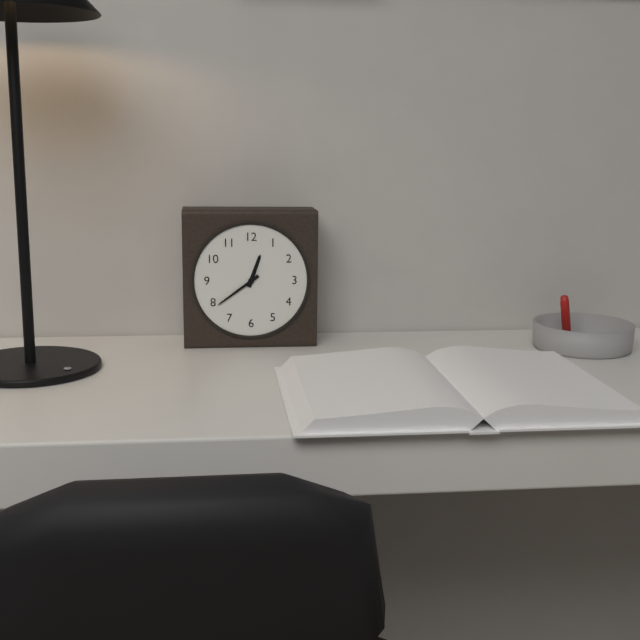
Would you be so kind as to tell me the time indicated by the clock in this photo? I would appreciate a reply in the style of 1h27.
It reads 12h39
